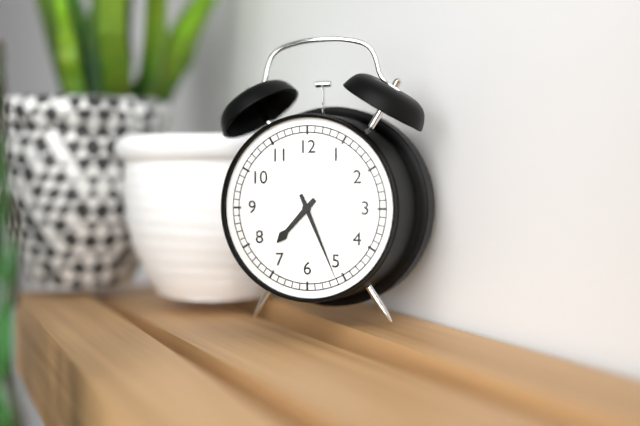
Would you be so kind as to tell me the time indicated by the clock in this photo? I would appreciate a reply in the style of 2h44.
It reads 7h26
